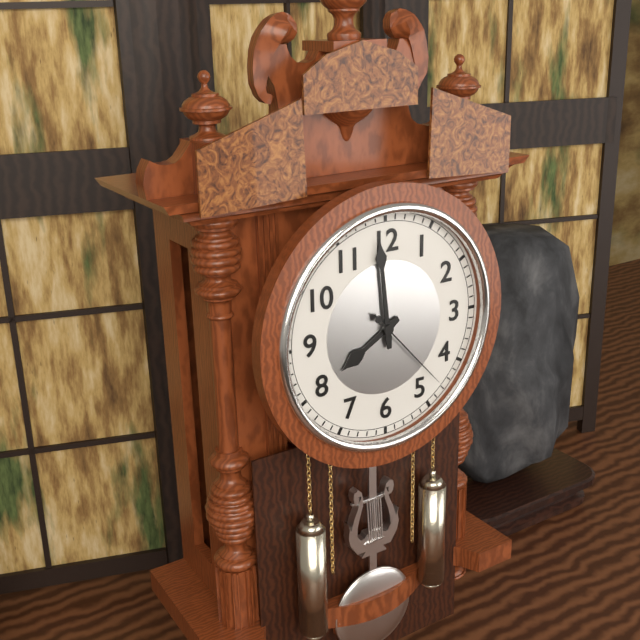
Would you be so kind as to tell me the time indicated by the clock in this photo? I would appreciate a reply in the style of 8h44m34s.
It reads 7h59m23s
